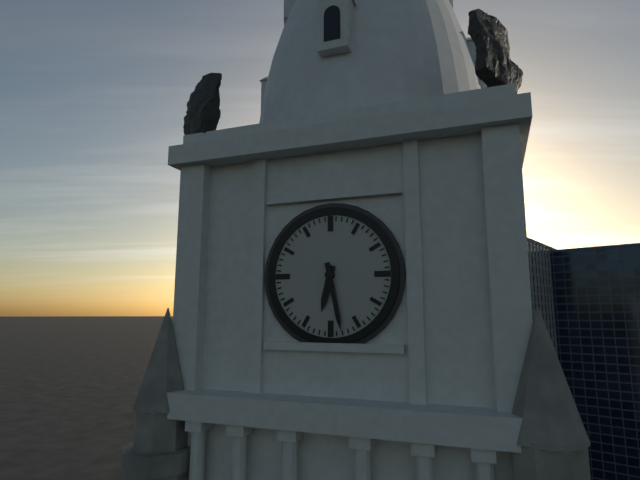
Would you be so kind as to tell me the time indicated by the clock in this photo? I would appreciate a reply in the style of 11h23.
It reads 6h28
